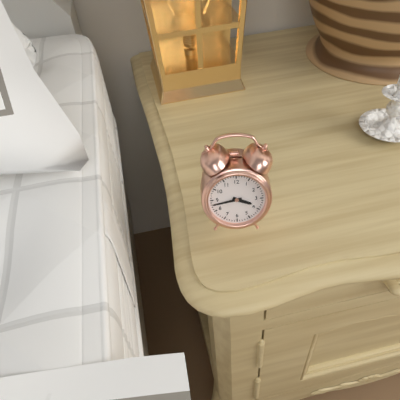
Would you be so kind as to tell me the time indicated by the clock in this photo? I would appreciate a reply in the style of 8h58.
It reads 3h43
